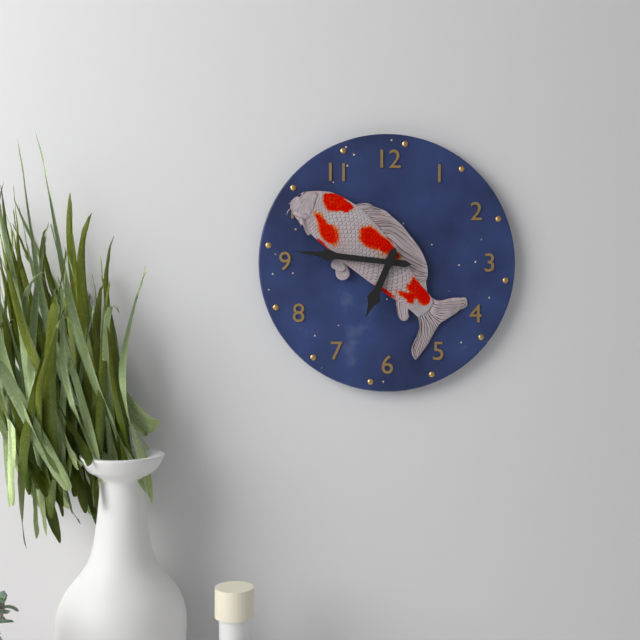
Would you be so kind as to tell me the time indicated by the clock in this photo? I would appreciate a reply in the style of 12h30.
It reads 6h46
